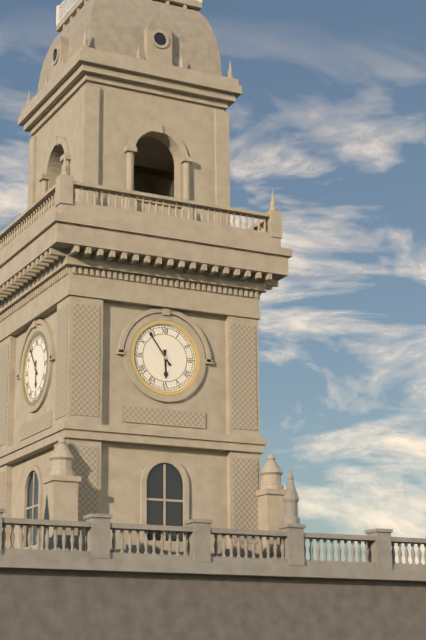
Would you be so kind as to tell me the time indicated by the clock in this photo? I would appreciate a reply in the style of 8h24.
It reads 5h54
